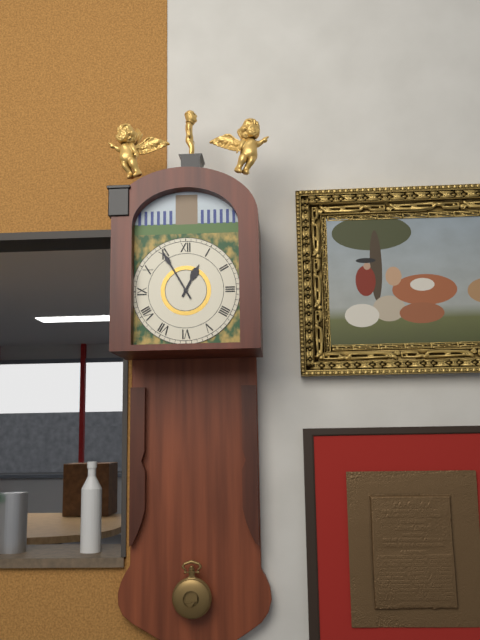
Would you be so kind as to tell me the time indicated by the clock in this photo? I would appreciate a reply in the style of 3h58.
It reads 12h55
